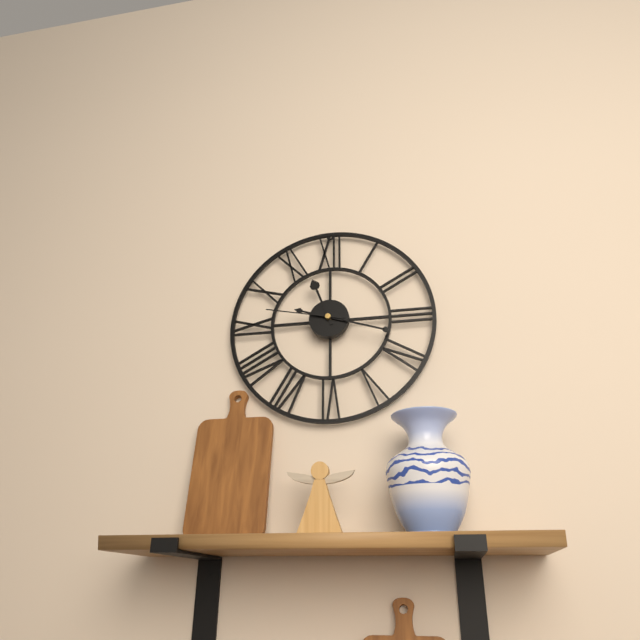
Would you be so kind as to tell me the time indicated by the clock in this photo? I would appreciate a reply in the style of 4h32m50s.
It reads 11h18m47s
